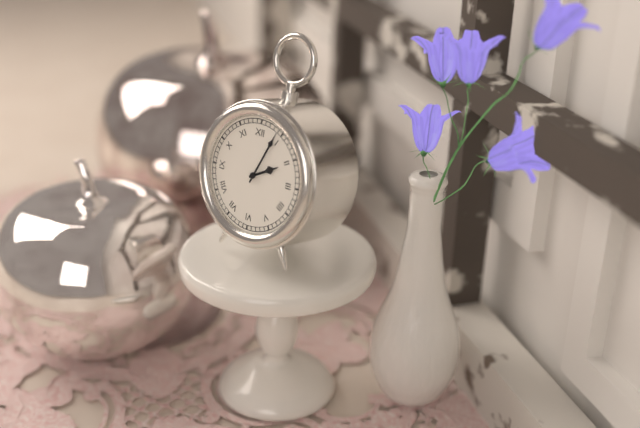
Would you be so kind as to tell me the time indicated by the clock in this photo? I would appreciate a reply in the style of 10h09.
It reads 2h04
